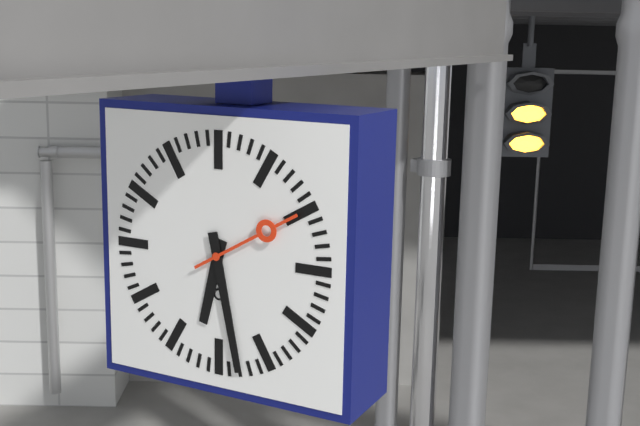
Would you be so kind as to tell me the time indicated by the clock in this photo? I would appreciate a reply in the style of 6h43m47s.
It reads 6h28m10s
